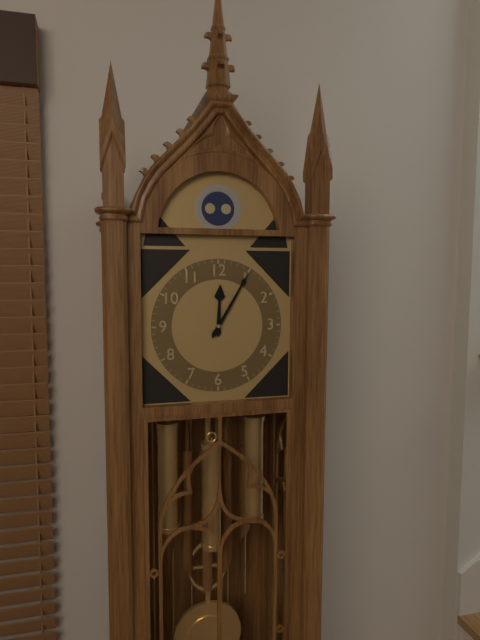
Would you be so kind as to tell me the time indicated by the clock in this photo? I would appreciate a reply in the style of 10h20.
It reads 12h05
